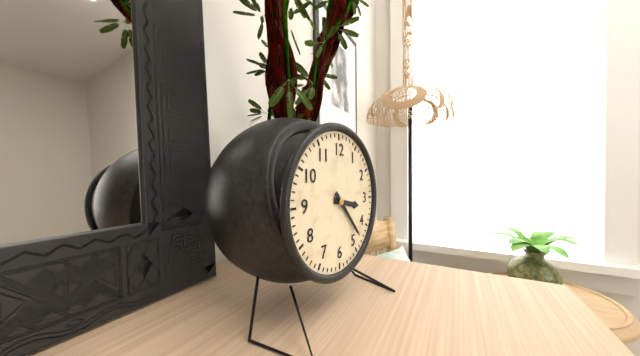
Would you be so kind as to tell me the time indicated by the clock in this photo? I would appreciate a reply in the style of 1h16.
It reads 3h23
